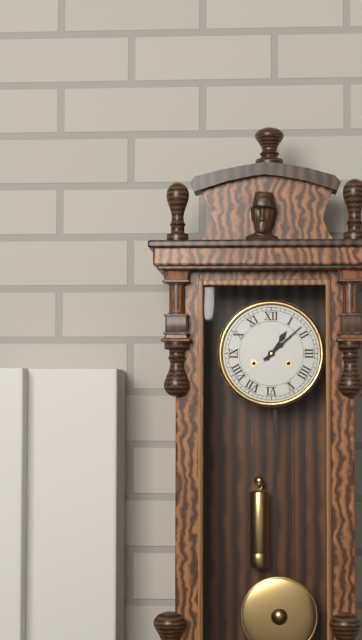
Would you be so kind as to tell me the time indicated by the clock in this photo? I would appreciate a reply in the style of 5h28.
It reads 1h08
